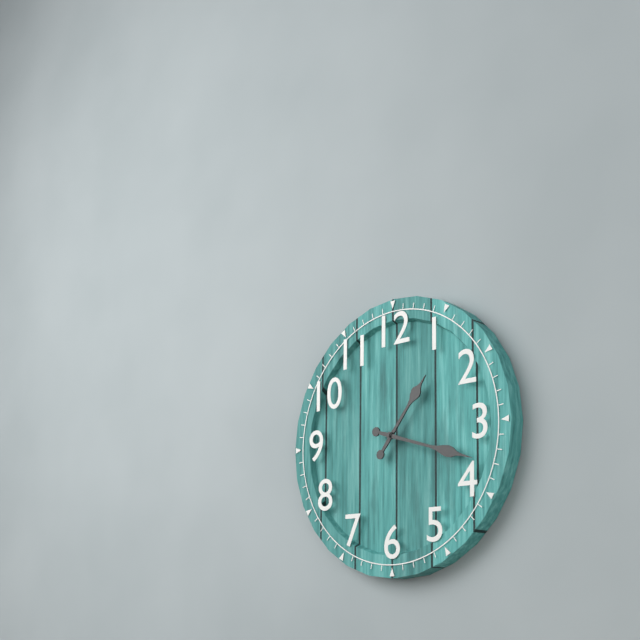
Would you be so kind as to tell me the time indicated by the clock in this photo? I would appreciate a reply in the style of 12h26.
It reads 1h18
